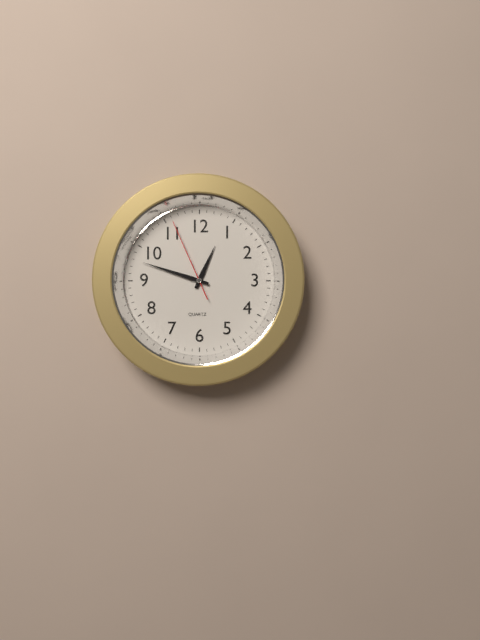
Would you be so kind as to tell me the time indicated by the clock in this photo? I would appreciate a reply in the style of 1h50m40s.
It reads 12h48m56s
